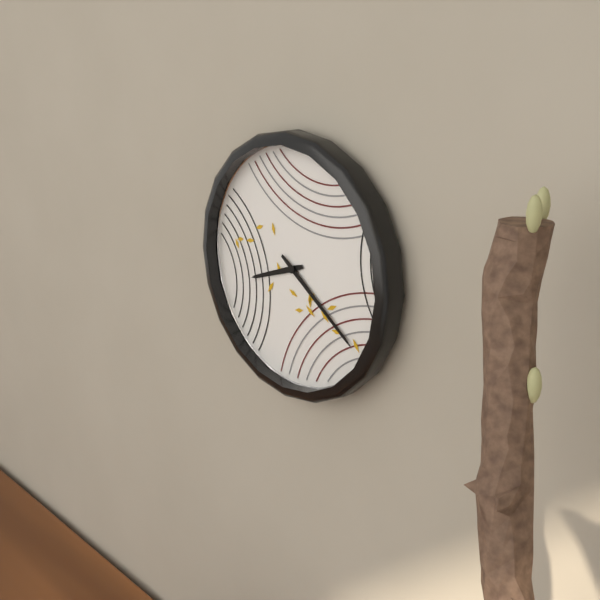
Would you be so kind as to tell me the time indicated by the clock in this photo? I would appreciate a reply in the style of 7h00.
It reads 8h21
